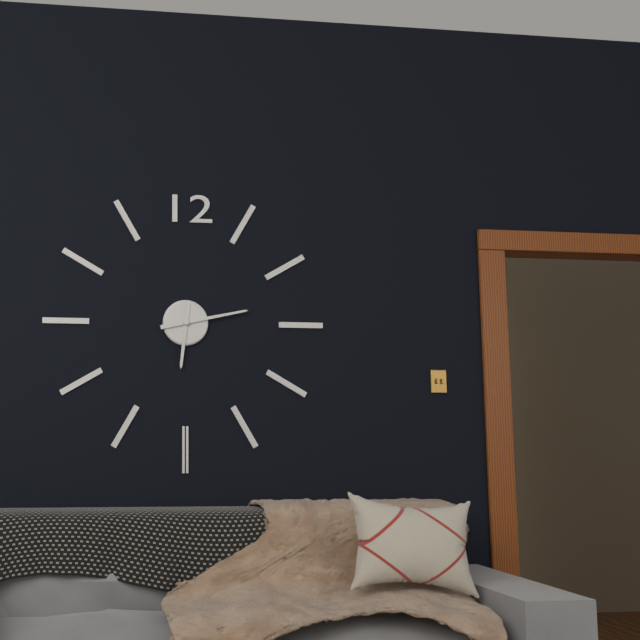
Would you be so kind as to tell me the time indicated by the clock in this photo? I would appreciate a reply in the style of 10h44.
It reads 6h13
